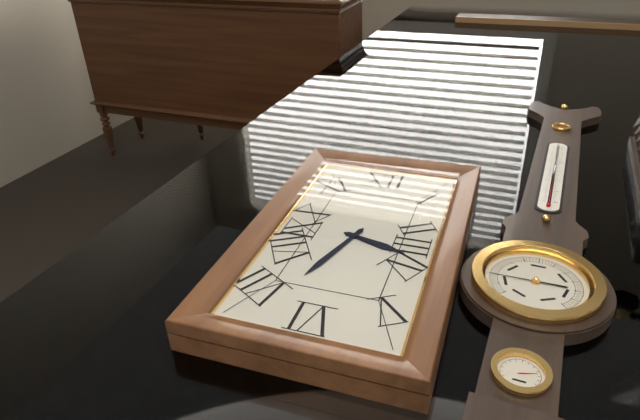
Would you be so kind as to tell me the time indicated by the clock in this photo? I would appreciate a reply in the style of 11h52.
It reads 3h33
